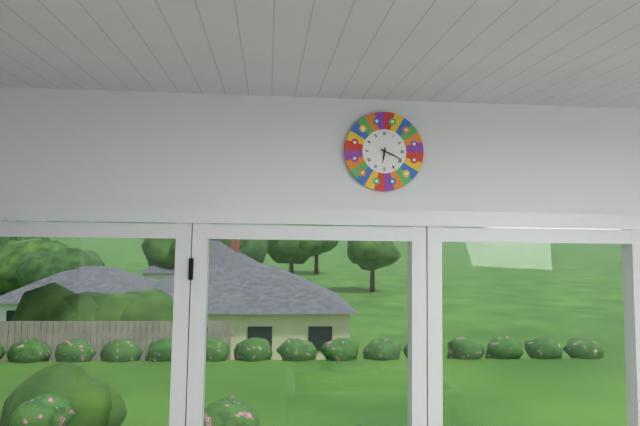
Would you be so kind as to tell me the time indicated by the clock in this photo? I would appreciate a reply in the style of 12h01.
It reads 6h19
